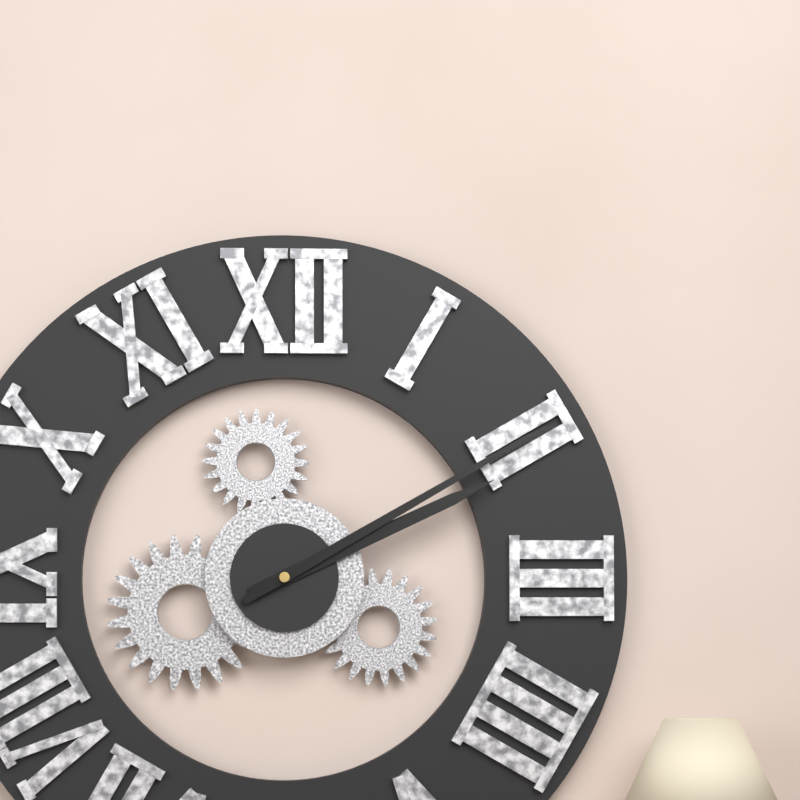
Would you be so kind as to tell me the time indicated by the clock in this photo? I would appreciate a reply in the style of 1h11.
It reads 2h10
